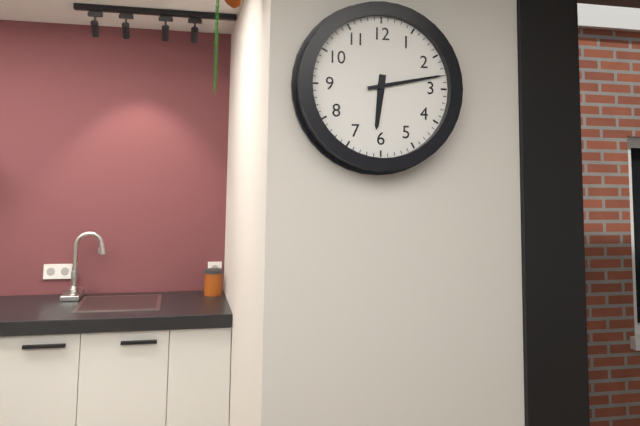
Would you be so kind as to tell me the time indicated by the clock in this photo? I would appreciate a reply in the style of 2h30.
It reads 6h13
